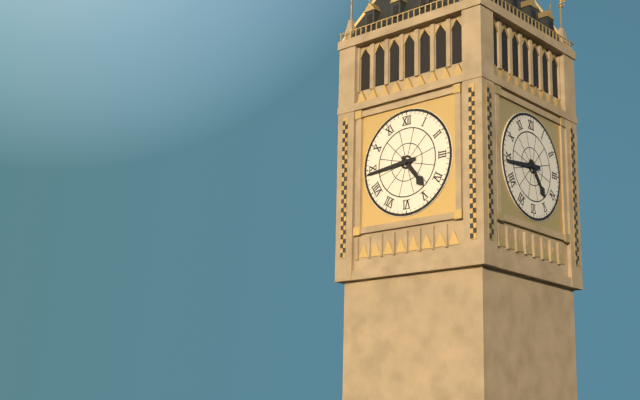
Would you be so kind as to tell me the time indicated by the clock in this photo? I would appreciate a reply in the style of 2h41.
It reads 4h44
